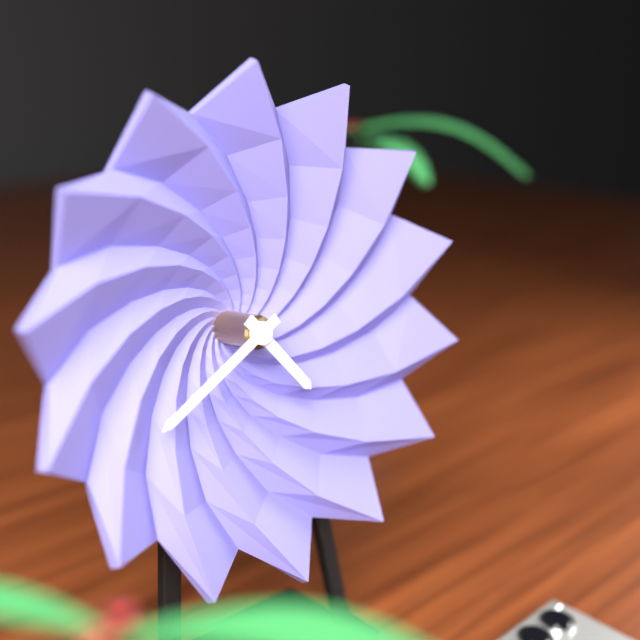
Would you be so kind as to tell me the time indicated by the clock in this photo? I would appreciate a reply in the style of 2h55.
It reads 4h40
